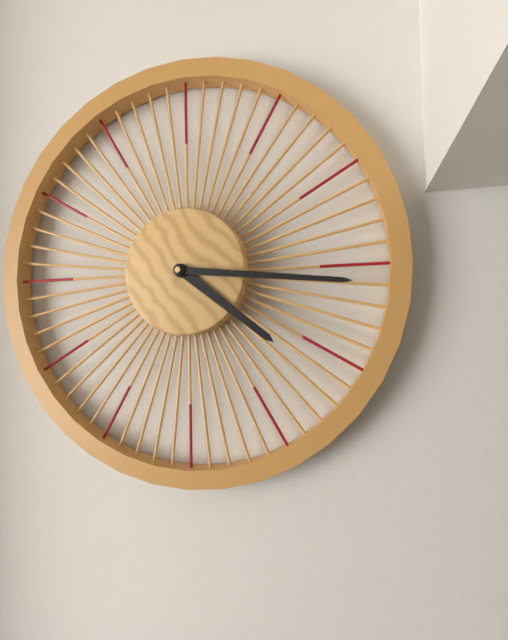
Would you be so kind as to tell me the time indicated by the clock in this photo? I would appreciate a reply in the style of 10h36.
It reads 4h16
